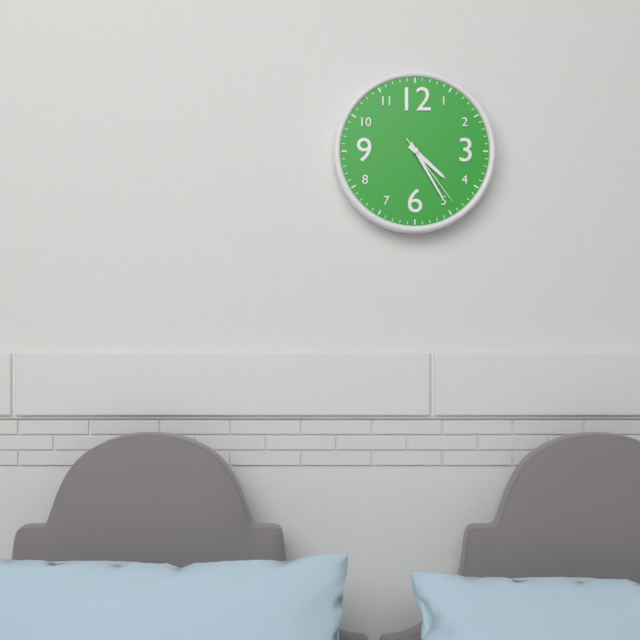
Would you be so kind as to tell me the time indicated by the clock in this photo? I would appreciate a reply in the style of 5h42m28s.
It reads 4h25m24s
